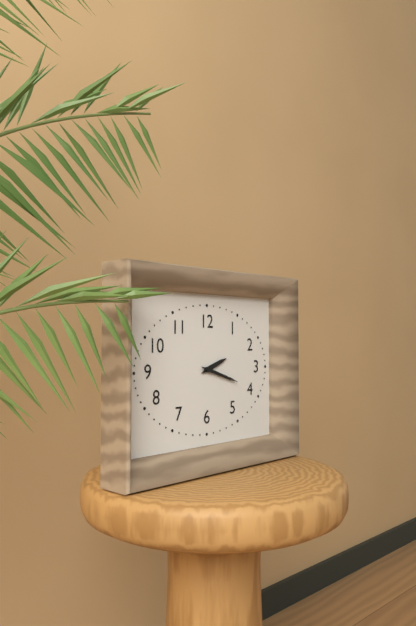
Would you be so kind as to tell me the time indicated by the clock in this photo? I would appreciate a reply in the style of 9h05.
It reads 2h18
